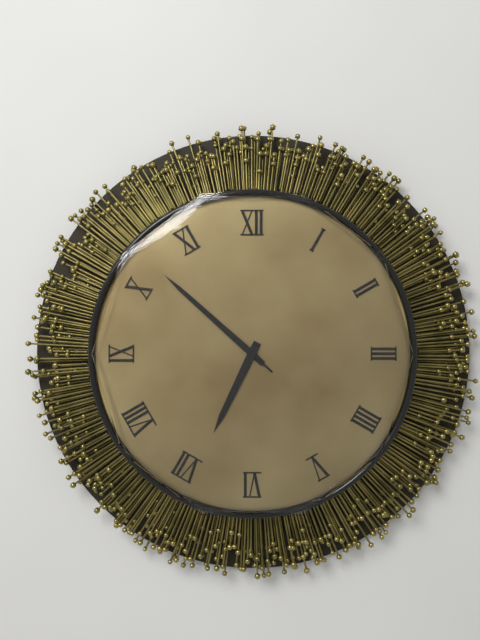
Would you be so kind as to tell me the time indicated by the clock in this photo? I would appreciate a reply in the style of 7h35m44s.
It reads 6h52m52s
